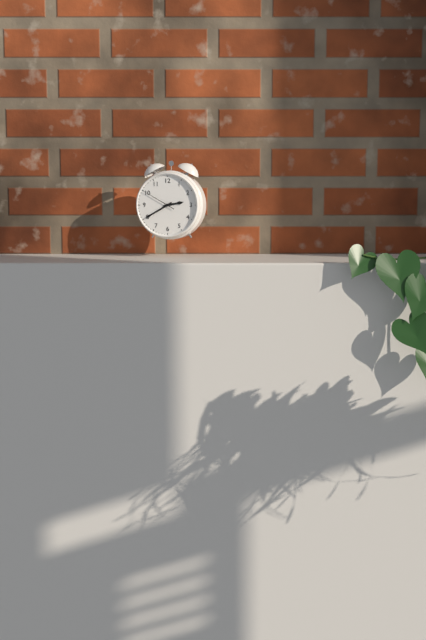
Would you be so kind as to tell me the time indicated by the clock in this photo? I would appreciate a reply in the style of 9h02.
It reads 2h40
